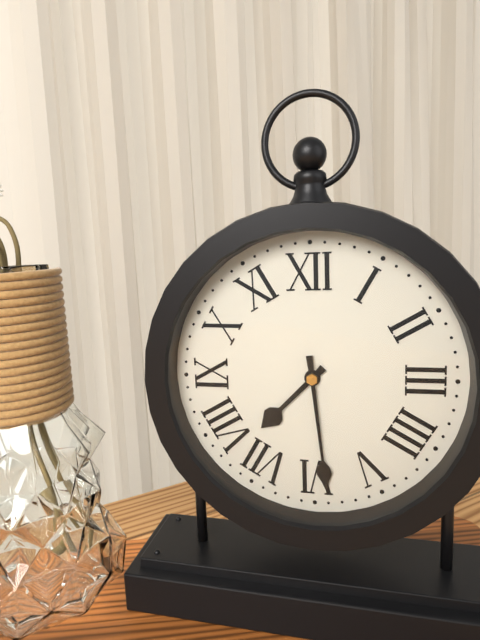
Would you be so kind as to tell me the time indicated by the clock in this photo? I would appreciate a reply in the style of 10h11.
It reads 7h29
